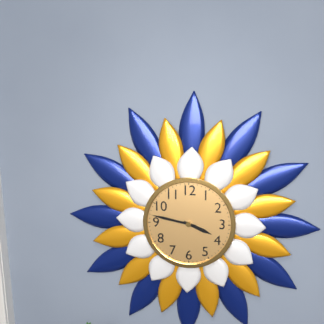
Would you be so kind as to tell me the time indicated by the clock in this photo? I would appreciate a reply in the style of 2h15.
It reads 3h47
